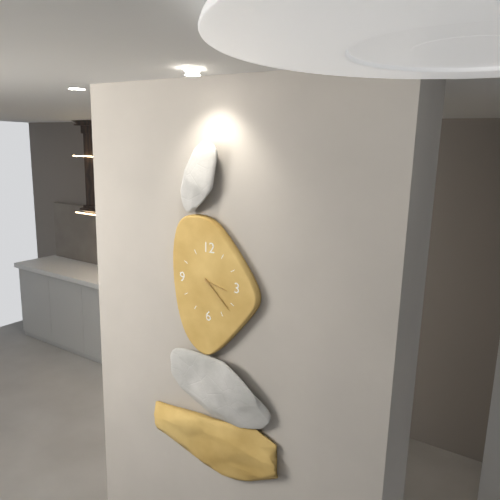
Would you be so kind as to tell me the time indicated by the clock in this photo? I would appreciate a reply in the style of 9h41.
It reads 3h22
